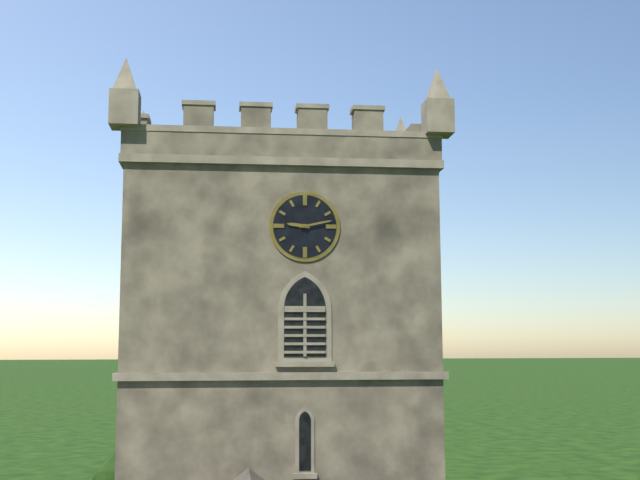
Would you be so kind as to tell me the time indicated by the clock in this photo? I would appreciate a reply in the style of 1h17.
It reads 9h13
